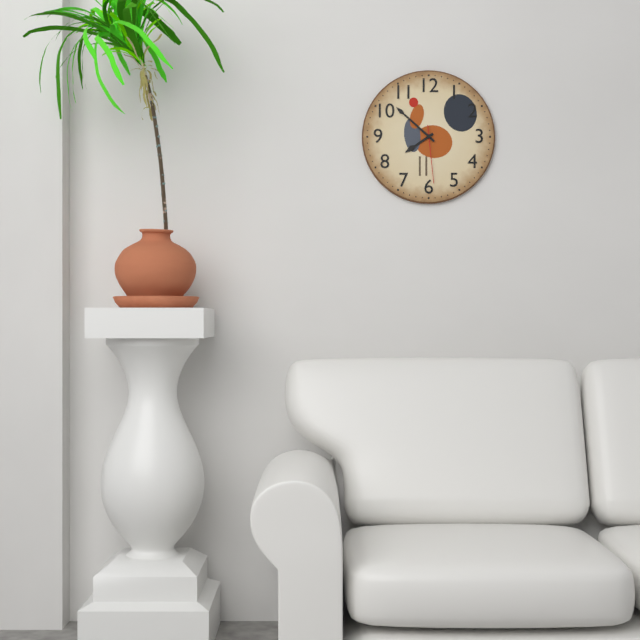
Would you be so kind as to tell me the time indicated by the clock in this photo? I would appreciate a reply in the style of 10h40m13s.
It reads 7h52m29s
